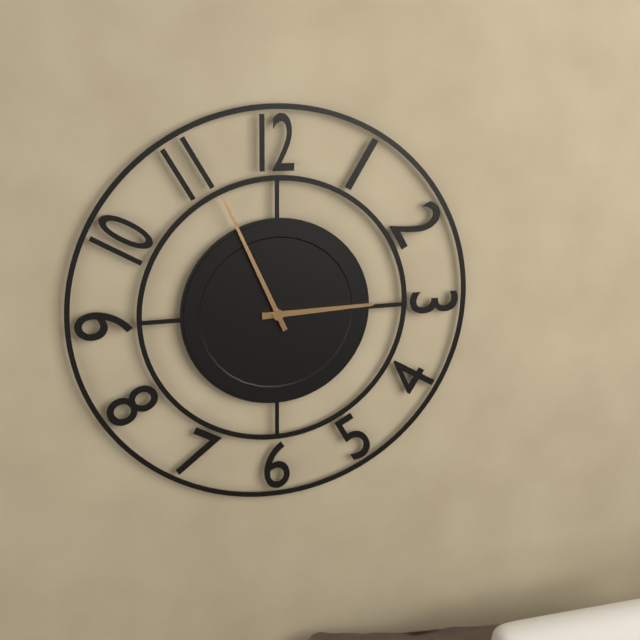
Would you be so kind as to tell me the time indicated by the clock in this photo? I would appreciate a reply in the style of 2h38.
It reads 2h56
